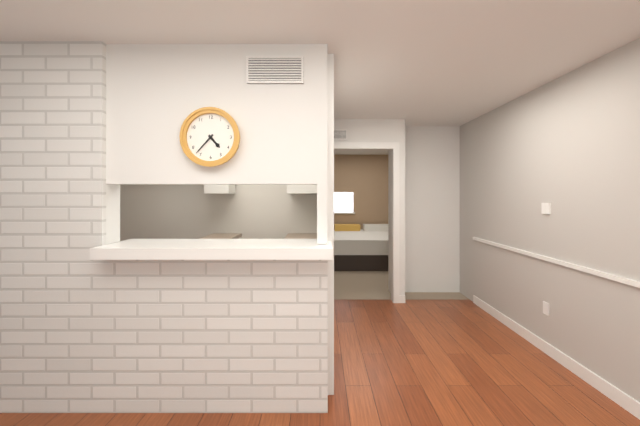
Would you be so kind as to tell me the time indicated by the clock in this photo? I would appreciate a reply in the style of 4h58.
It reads 4h37
